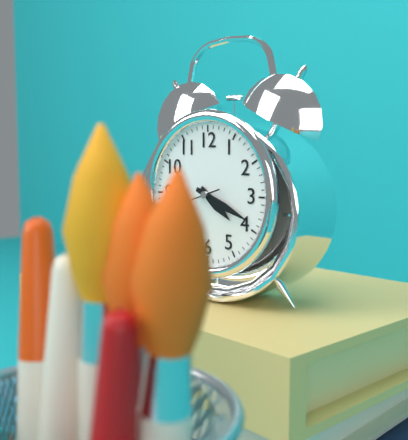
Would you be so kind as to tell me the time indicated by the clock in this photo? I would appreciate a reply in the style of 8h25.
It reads 4h19
